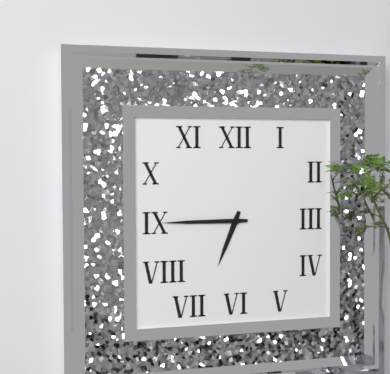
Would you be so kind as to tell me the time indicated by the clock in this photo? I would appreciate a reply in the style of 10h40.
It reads 6h45
